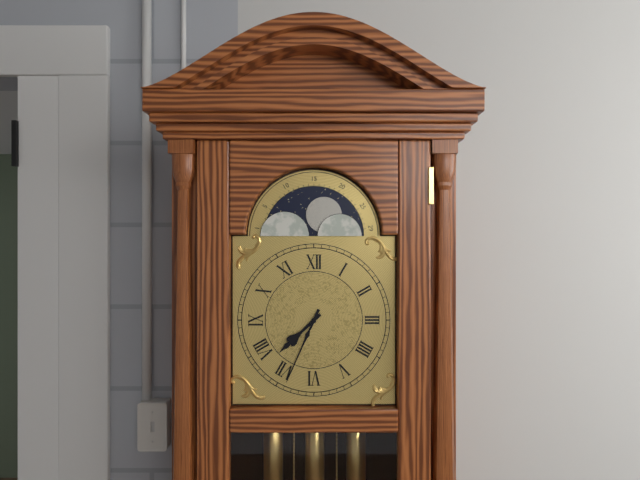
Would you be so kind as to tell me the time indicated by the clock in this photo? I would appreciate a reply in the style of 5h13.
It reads 7h34
